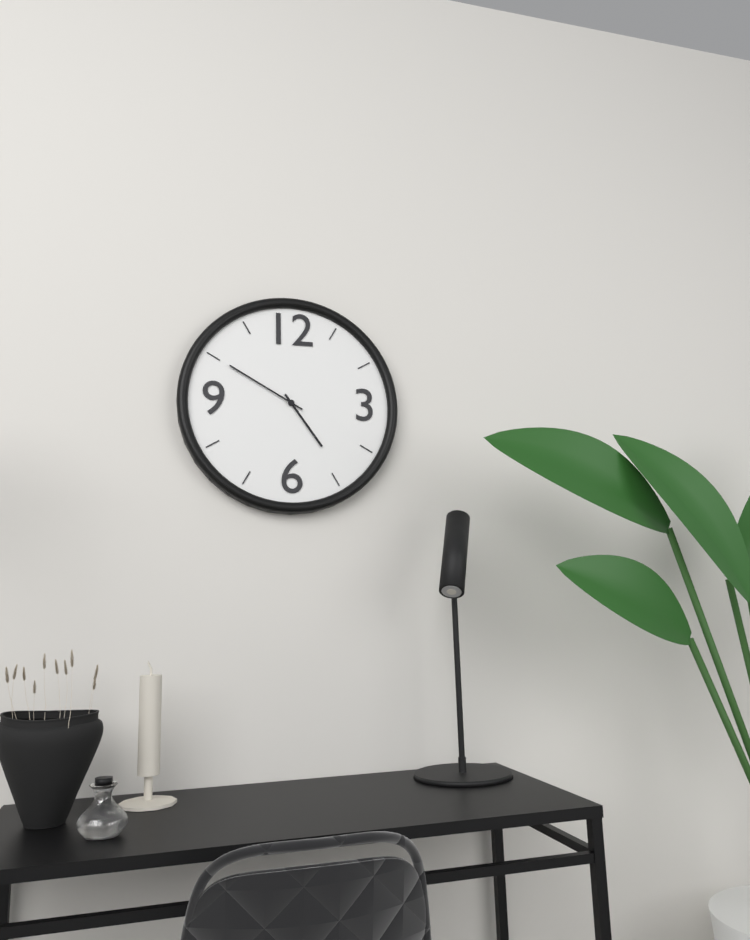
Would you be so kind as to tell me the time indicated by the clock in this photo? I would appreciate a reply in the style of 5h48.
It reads 4h50
